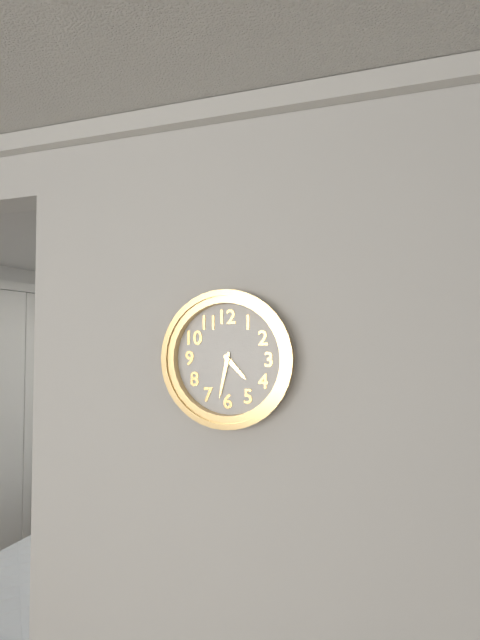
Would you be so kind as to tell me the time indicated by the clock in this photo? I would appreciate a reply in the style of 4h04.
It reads 4h32
